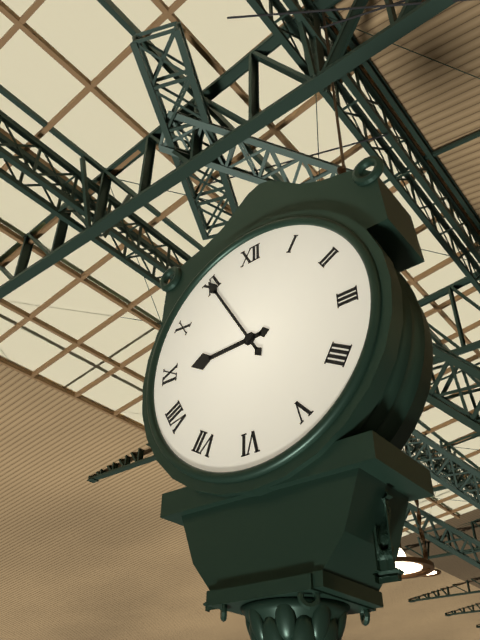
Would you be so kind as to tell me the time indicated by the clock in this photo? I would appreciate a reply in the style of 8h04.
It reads 8h55
